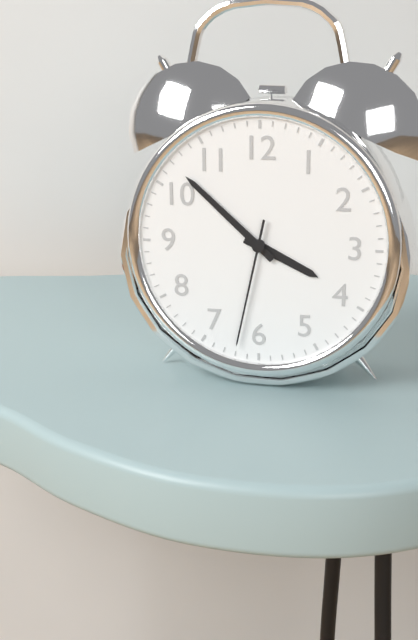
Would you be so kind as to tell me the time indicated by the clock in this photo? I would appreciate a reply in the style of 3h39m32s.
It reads 3h52m32s
